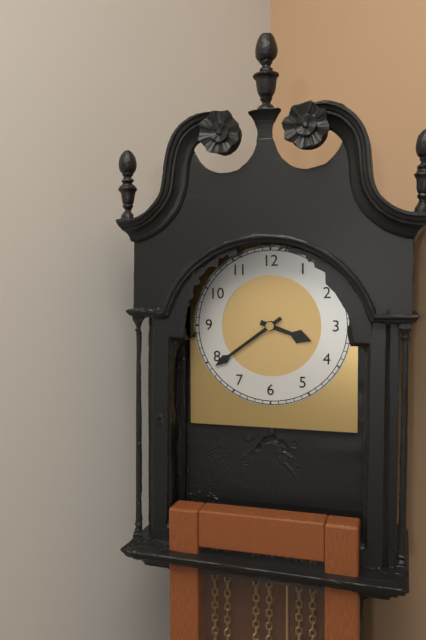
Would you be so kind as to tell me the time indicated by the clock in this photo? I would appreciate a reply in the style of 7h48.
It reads 3h39
